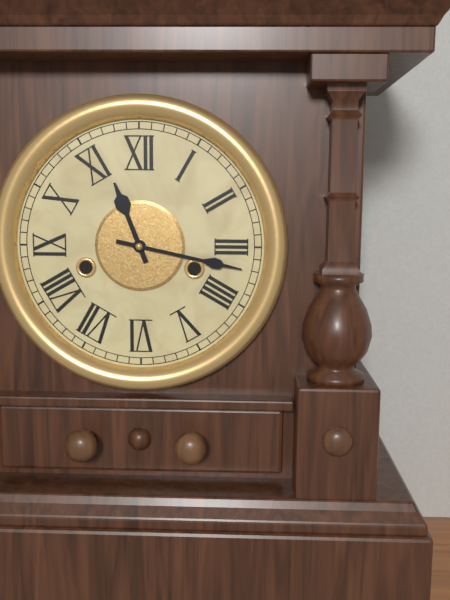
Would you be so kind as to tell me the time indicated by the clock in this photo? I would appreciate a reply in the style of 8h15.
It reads 11h17
